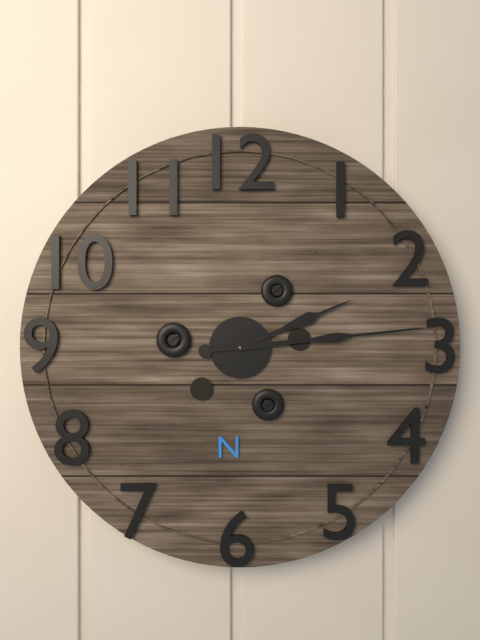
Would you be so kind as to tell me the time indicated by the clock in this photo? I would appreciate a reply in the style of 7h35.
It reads 2h14
